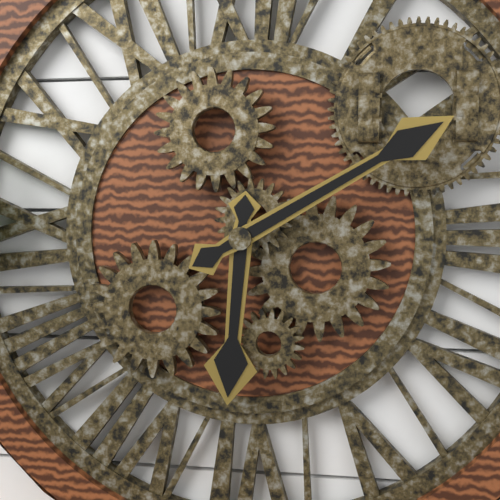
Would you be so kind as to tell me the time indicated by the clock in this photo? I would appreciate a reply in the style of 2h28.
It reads 6h10
